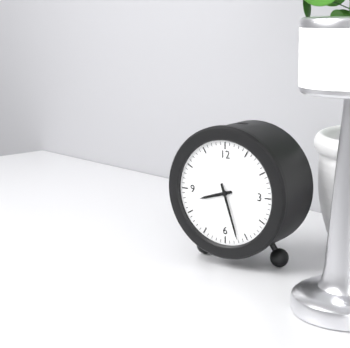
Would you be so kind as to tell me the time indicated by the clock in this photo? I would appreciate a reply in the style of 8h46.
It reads 8h27
